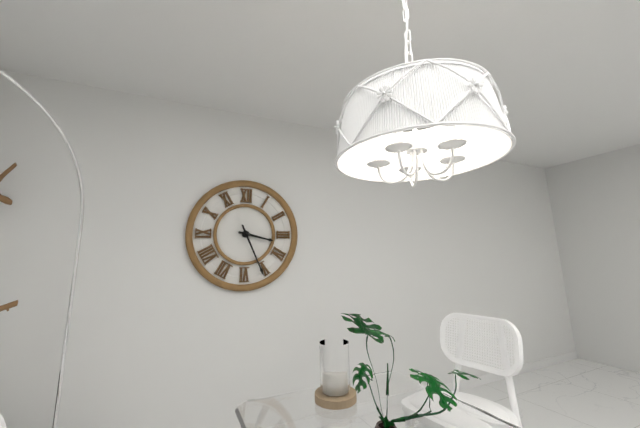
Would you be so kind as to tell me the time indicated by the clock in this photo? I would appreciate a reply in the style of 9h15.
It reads 3h26
